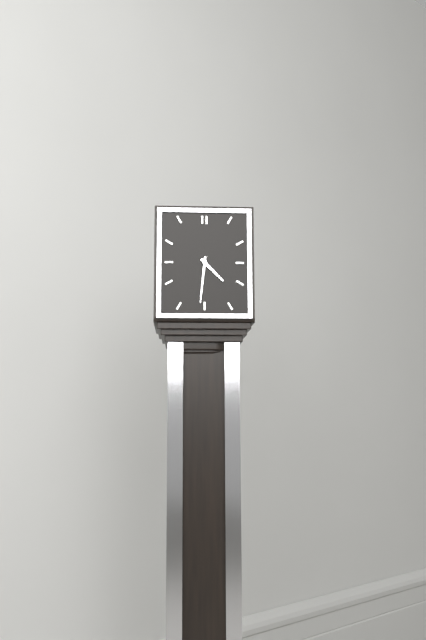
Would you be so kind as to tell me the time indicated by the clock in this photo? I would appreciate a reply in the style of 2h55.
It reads 4h31
